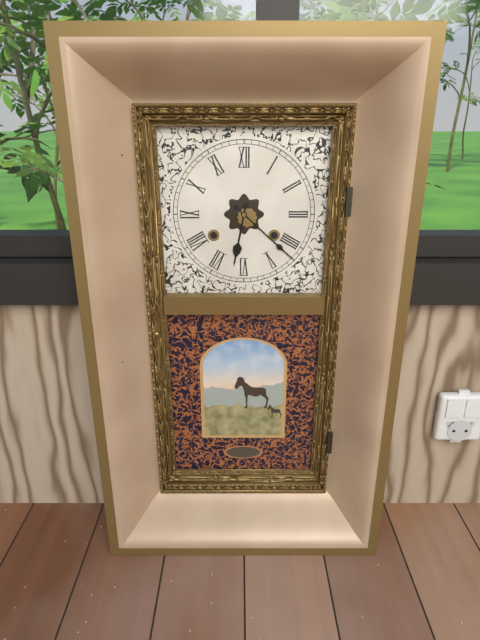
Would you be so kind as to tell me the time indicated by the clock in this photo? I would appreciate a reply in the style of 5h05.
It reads 6h22
